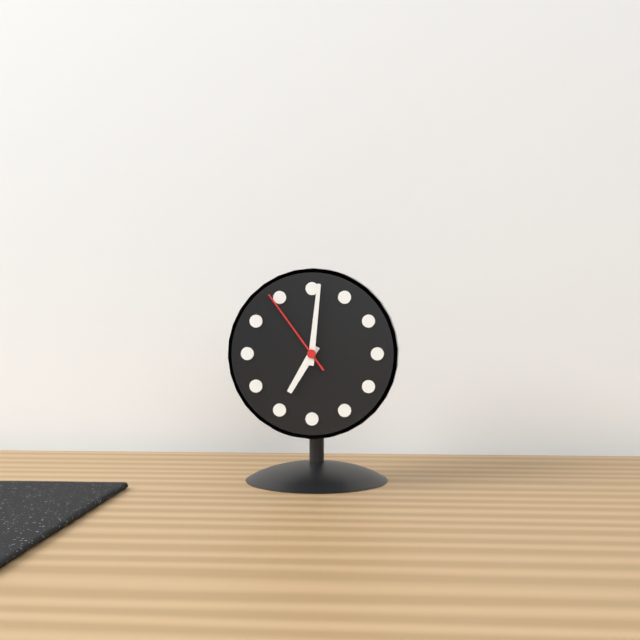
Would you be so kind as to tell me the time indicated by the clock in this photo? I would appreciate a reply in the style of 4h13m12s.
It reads 7h01m54s
